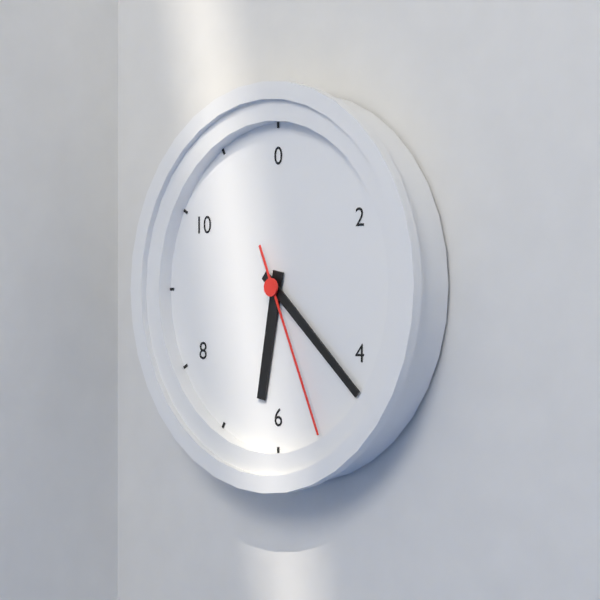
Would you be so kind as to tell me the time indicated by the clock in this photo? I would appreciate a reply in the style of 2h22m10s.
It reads 6h22m26s
